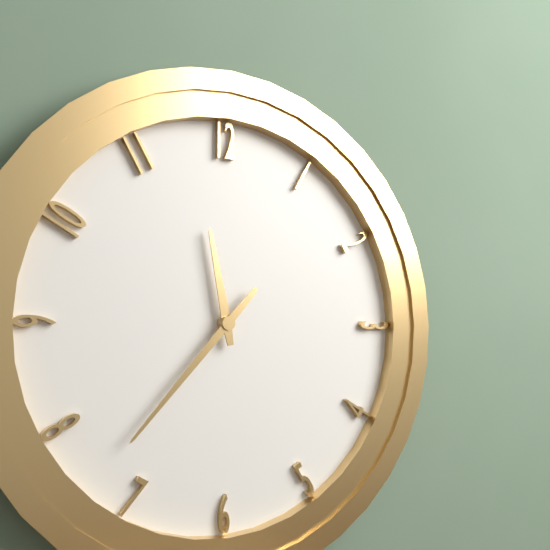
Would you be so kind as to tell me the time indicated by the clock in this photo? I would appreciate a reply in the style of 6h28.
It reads 11h37
